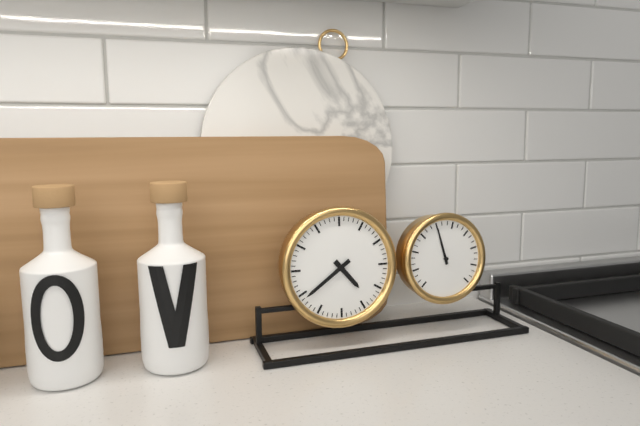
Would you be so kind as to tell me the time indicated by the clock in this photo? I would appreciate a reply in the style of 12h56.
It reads 4h39
